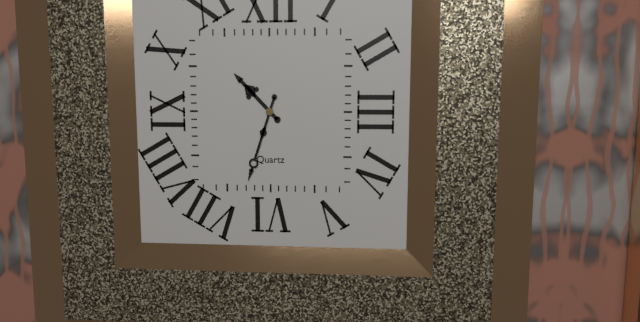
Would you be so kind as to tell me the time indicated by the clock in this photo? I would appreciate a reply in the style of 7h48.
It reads 10h33
